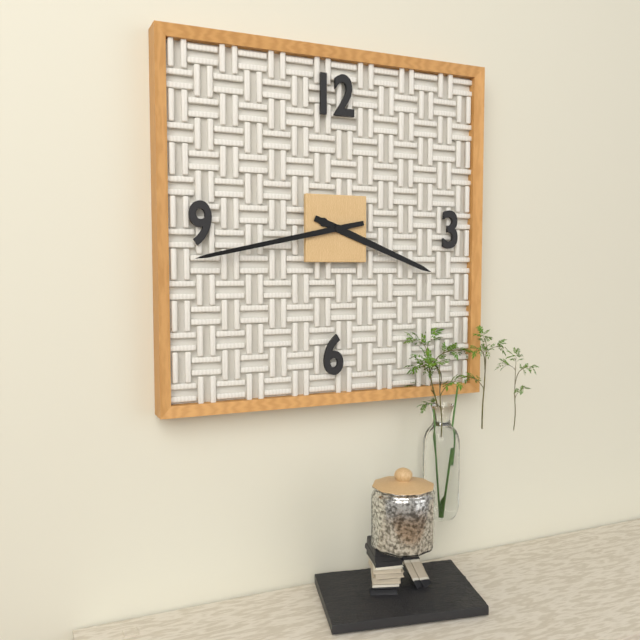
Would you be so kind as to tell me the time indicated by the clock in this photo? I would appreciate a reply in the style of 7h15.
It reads 3h43
